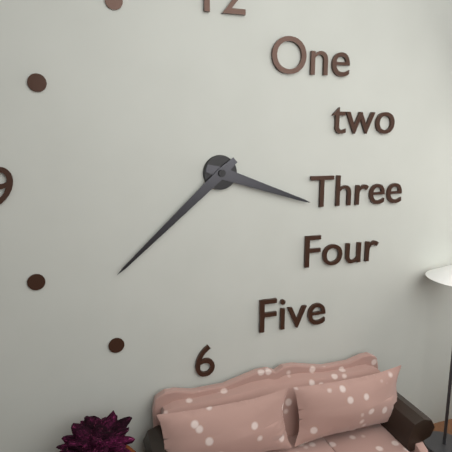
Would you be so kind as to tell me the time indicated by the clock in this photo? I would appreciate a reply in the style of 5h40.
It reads 3h38
